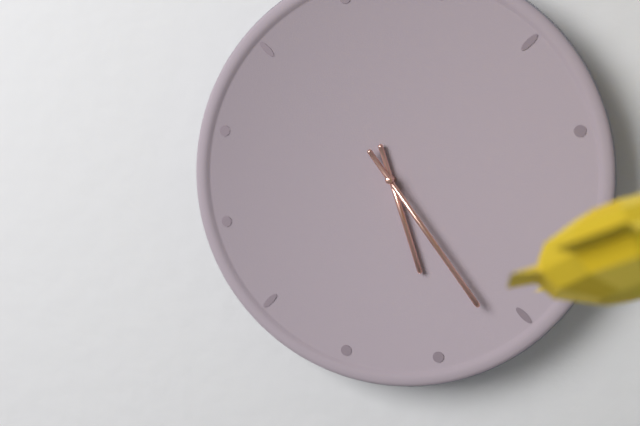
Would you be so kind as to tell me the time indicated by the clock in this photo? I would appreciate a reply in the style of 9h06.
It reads 5h24
